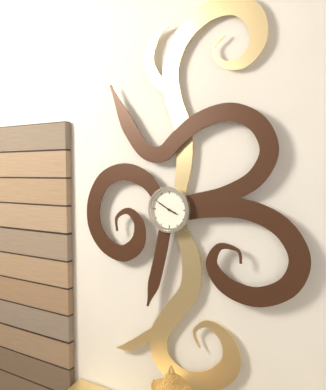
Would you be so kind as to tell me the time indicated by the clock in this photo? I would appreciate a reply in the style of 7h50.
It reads 3h50
